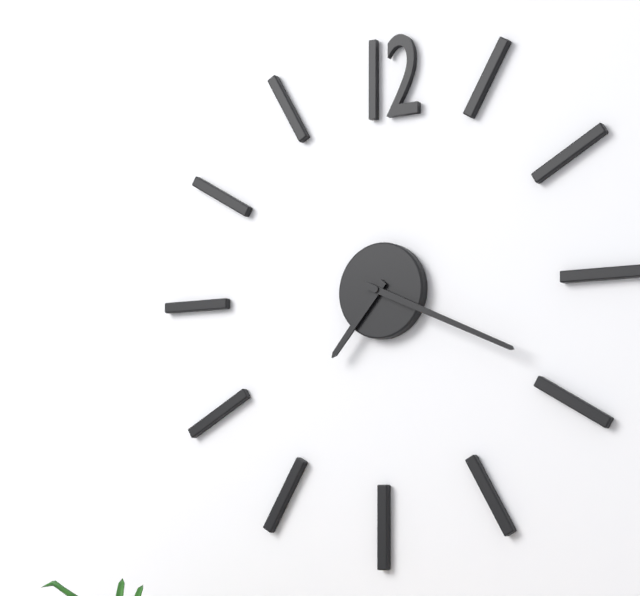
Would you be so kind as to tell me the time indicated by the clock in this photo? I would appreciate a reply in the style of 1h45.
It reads 7h19
